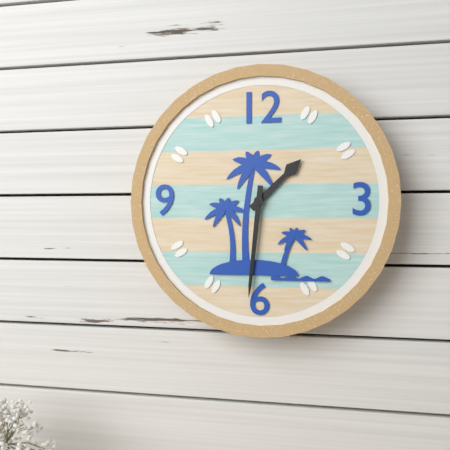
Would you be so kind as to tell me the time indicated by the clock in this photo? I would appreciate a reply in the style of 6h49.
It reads 1h31
